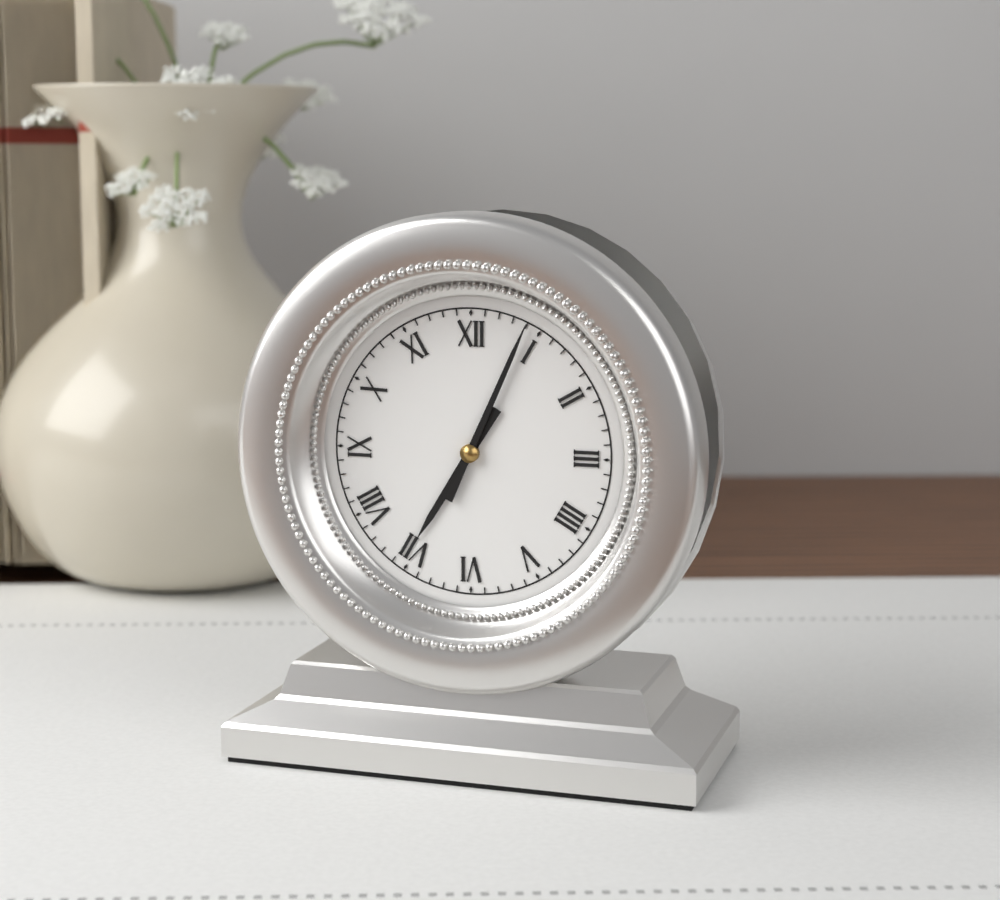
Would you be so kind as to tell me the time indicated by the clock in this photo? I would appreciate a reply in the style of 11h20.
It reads 7h04
